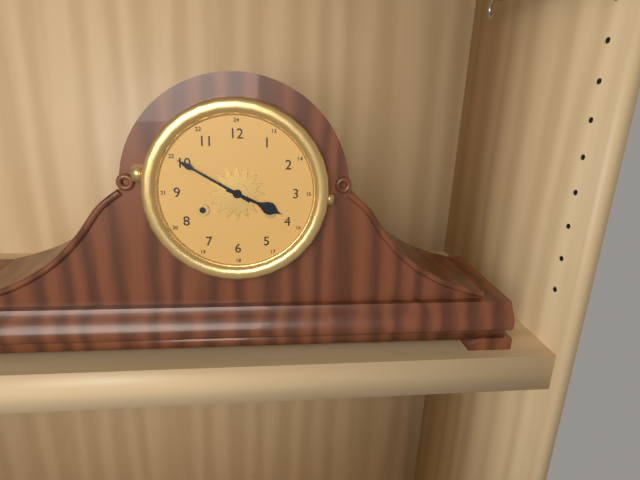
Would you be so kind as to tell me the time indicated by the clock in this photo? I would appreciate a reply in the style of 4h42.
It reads 3h50
